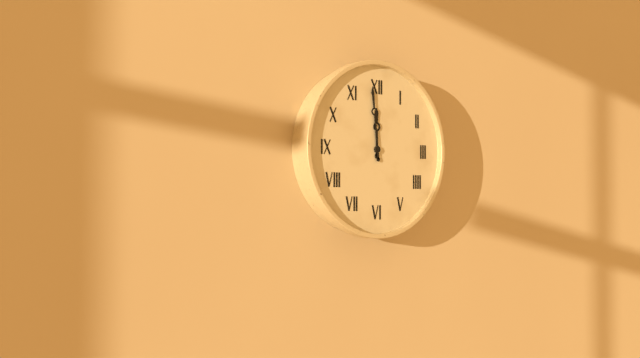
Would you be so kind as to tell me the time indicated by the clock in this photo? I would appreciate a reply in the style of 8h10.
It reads 11h59
